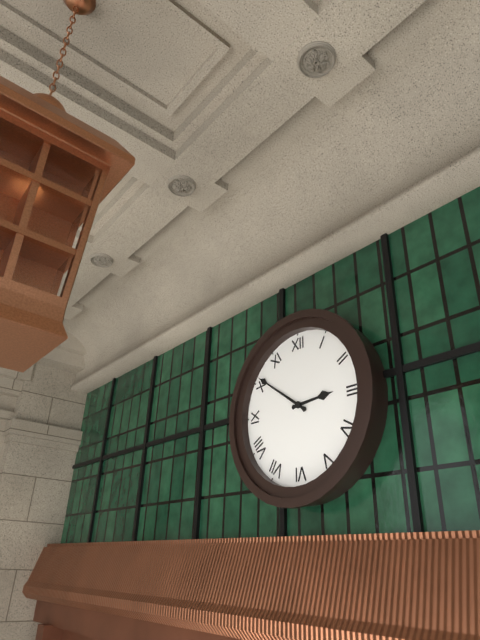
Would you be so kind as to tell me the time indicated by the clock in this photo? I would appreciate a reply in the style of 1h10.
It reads 2h51
